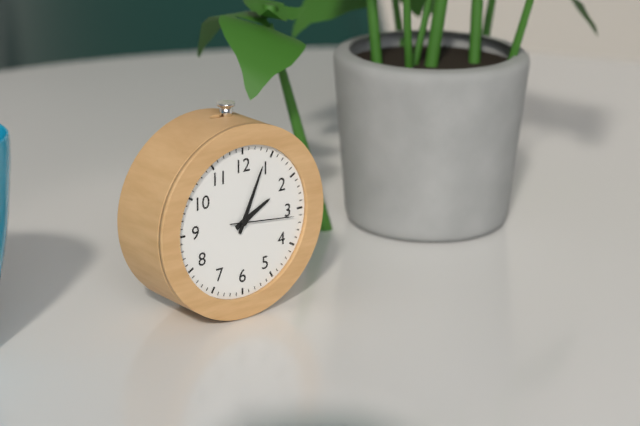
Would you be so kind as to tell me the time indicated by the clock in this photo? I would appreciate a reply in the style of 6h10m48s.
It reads 2h04m16s
